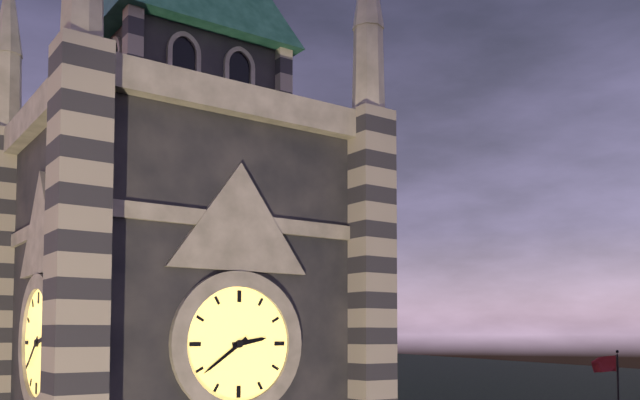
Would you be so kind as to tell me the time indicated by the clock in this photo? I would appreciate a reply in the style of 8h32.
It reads 2h39
